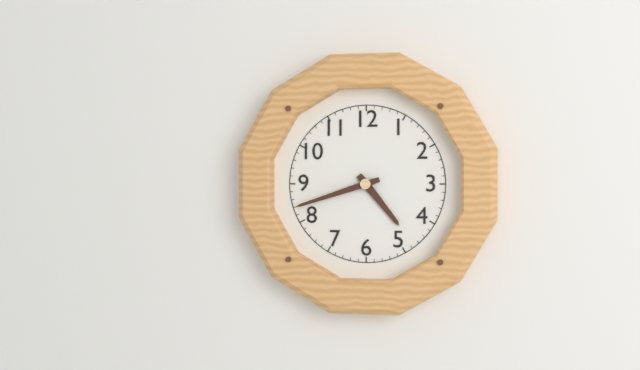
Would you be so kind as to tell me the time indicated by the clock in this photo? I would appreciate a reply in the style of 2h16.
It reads 4h42
